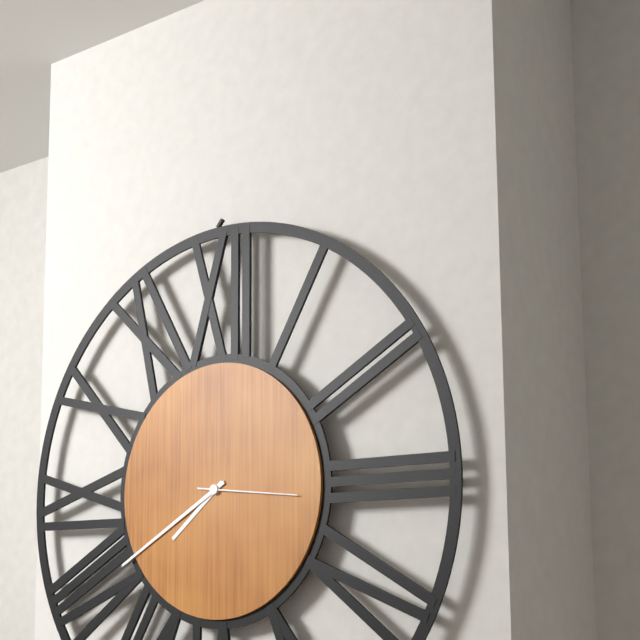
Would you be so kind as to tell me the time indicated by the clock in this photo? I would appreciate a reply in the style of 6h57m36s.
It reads 7h40m16s
